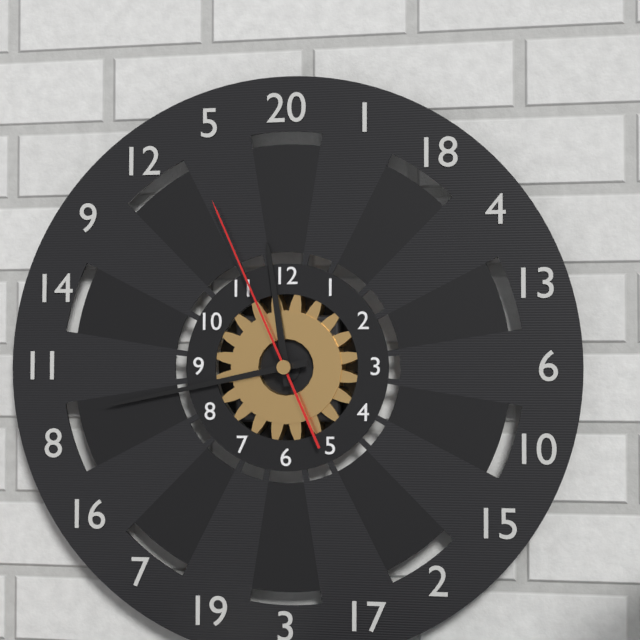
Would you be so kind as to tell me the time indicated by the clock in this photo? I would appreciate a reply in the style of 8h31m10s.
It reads 11h43m56s
